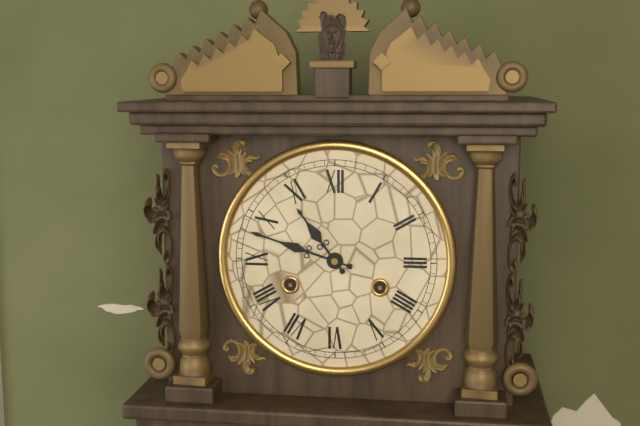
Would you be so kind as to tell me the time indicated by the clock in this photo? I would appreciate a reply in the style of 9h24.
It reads 10h48
